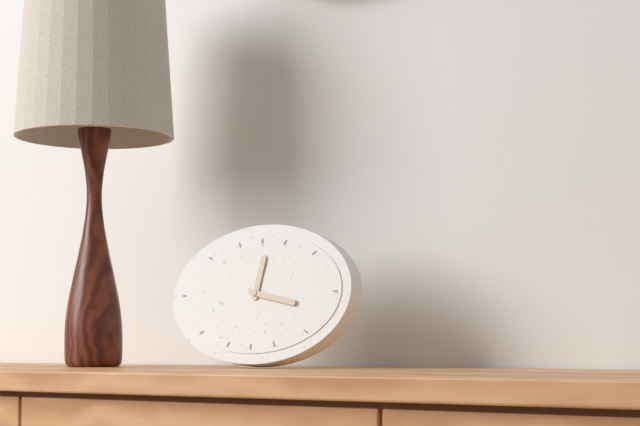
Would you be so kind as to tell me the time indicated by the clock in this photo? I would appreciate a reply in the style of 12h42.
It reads 12h17
